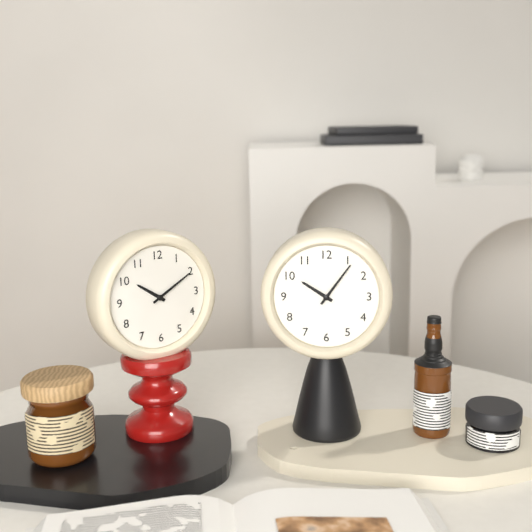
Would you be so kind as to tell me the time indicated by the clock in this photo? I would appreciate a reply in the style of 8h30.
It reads 10h06
